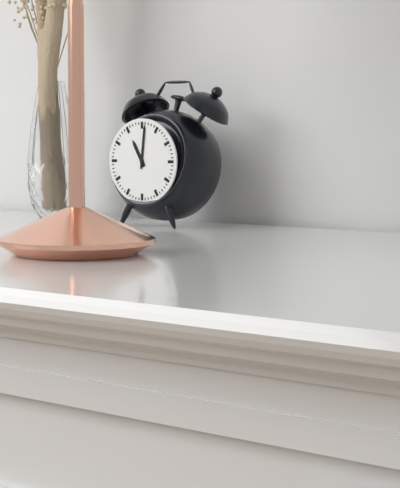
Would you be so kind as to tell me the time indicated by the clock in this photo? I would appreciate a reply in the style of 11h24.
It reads 11h01
